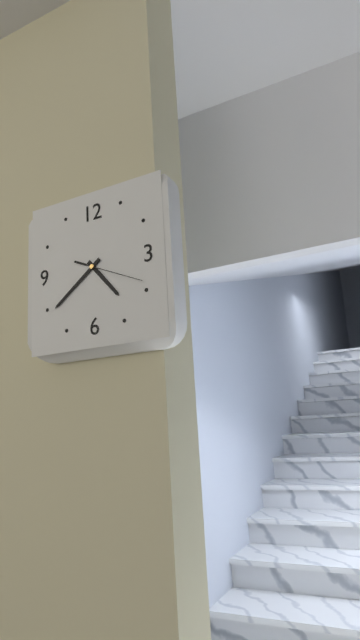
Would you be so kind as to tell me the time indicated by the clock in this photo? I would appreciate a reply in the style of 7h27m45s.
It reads 4h39m19s
